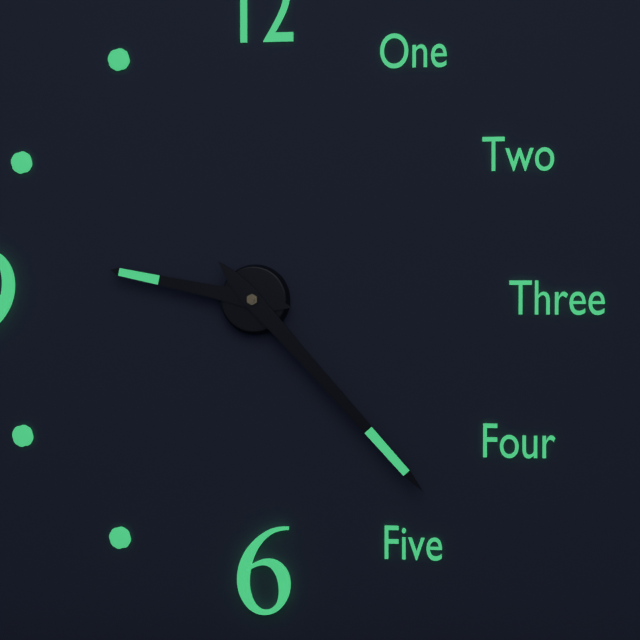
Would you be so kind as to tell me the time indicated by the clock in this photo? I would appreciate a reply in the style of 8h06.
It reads 9h23
